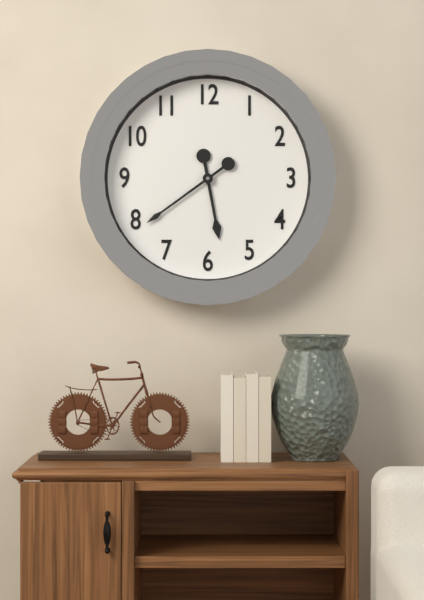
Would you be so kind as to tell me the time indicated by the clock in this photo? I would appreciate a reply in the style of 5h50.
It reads 5h39
